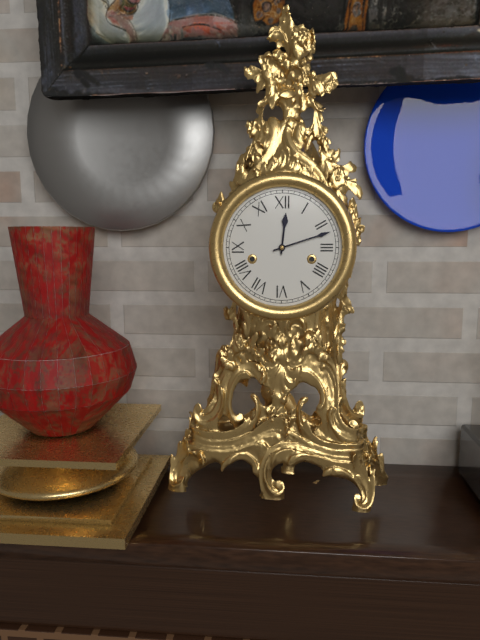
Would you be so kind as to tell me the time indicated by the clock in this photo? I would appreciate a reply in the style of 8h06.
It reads 12h12
